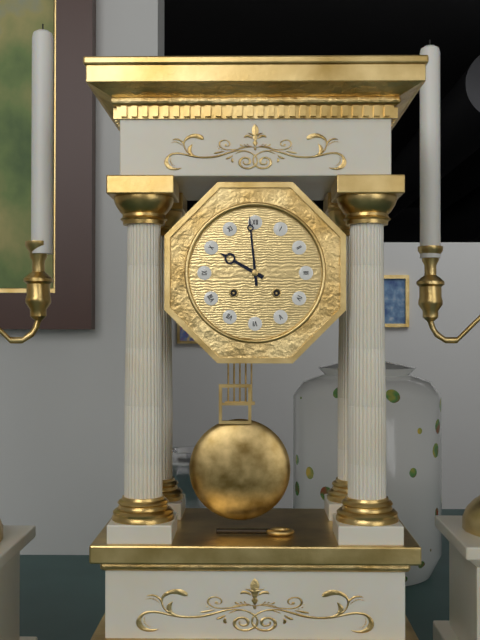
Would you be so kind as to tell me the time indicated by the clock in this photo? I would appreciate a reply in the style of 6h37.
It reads 9h59
